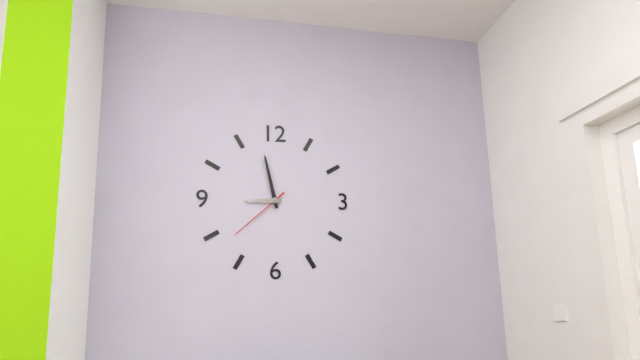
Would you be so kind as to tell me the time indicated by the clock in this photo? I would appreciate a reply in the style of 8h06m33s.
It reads 8h58m38s
